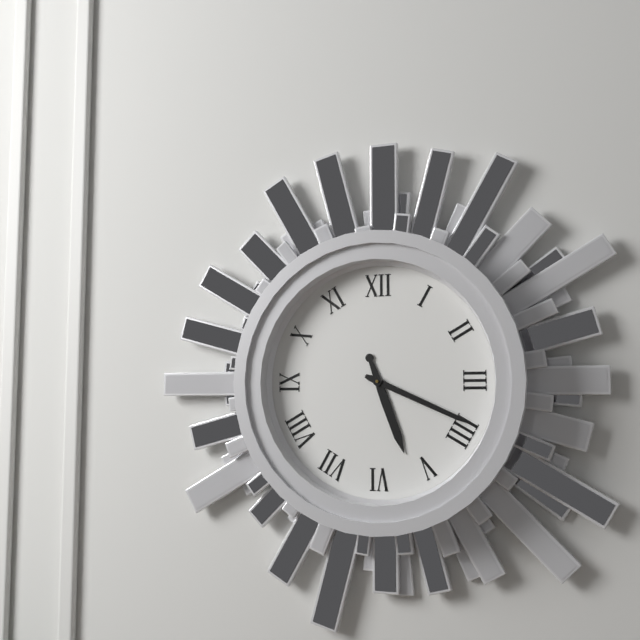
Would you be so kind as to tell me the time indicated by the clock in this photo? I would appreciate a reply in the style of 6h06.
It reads 5h19
